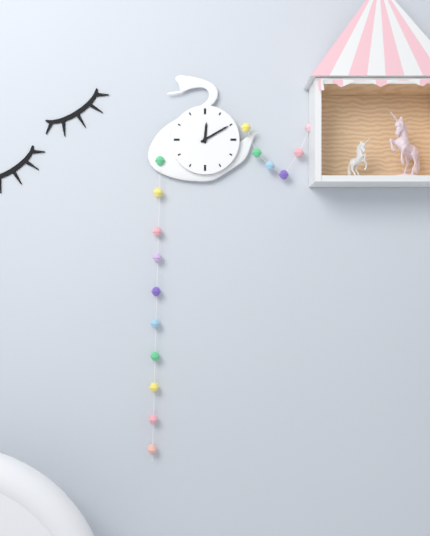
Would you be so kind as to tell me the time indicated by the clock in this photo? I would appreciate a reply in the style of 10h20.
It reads 12h10
